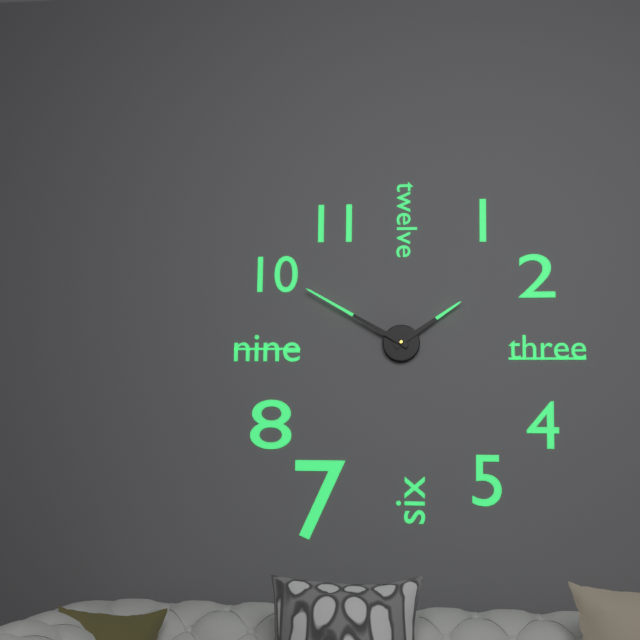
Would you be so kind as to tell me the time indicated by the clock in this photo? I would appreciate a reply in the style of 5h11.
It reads 1h50
